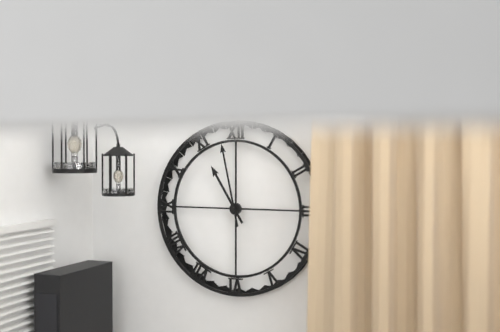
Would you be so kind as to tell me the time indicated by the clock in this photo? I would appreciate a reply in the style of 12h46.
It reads 10h58
